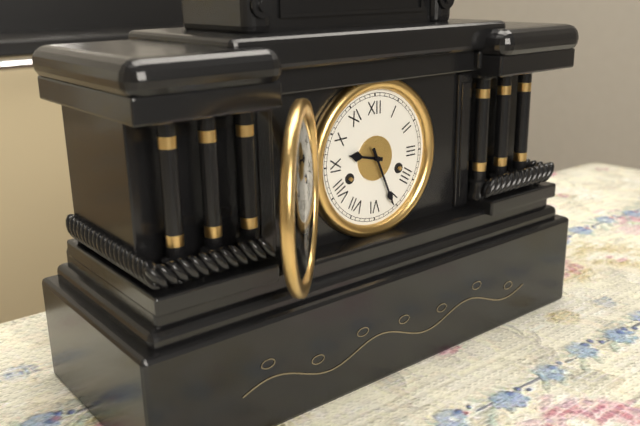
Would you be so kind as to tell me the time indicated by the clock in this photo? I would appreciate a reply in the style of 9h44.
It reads 9h26
